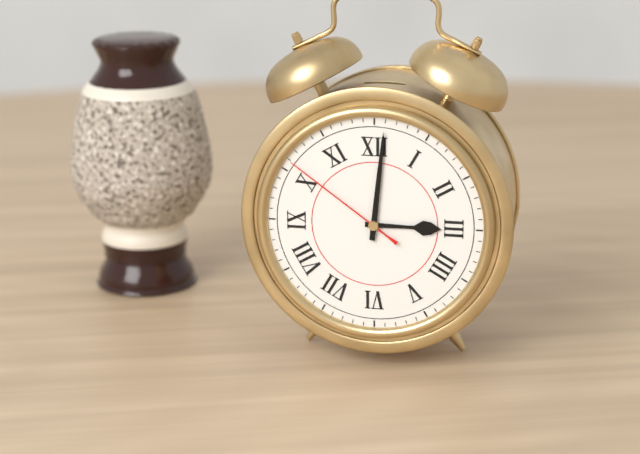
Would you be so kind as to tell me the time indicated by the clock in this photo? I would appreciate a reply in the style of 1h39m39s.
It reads 3h01m51s
